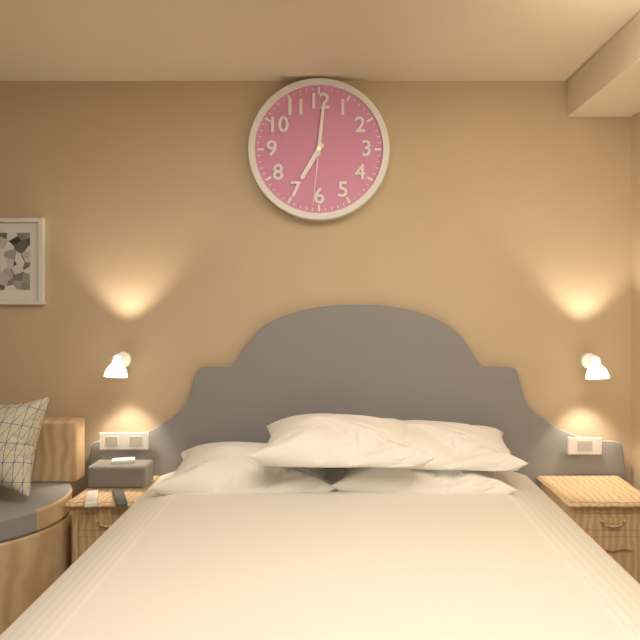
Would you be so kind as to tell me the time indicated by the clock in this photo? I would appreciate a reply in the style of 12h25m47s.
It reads 7h01m31s
